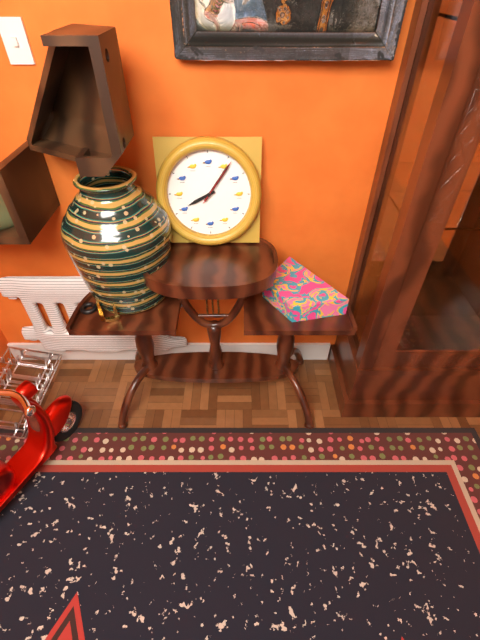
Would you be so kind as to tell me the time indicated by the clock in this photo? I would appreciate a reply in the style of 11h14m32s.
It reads 8h06m06s
